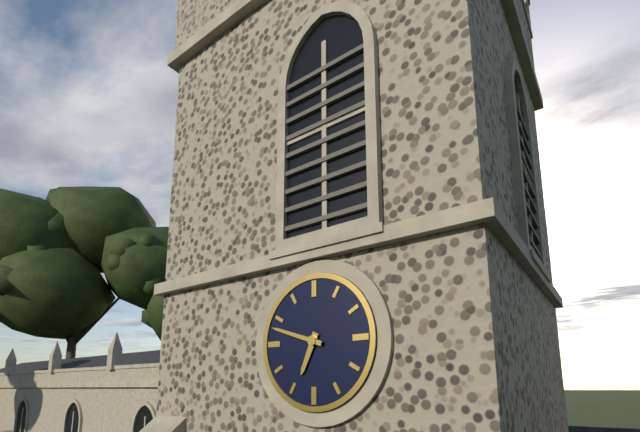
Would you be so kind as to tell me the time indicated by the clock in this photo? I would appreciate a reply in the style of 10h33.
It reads 6h48
